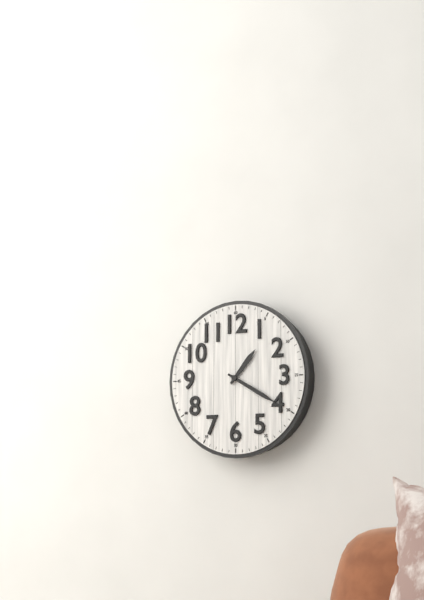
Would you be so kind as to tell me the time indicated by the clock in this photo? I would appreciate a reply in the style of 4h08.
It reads 1h20
